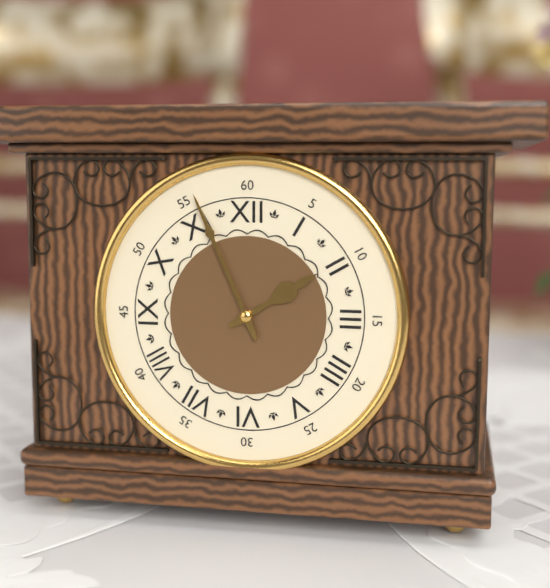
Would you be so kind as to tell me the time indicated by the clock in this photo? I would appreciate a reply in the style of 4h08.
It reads 1h56
